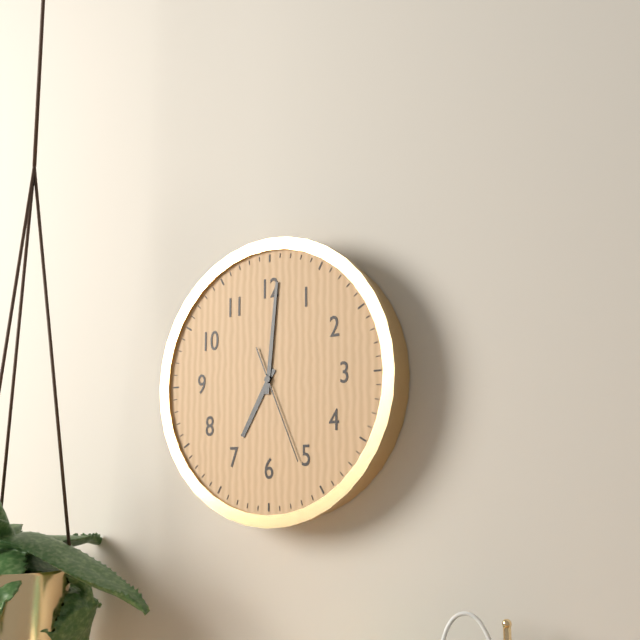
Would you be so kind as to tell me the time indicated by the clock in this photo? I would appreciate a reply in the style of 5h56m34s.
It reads 7h01m26s
